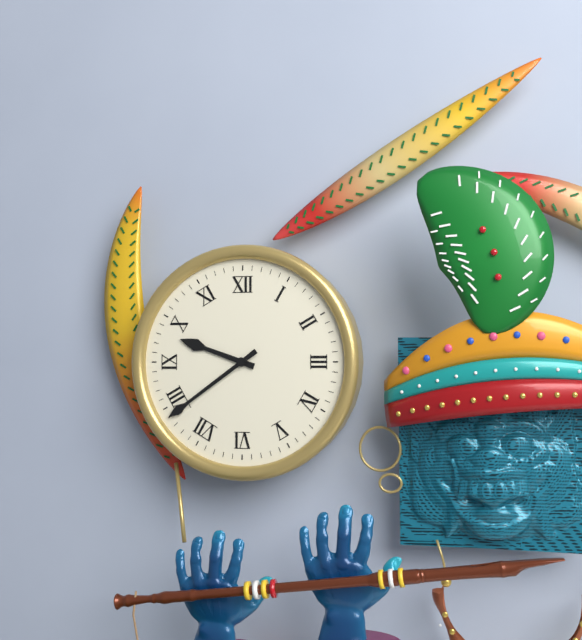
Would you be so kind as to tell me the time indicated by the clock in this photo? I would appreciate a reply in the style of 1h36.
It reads 9h39
